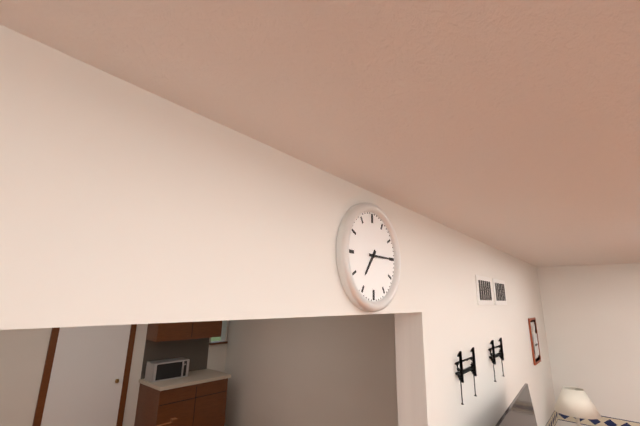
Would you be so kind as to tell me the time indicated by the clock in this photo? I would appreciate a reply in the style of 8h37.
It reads 7h15
